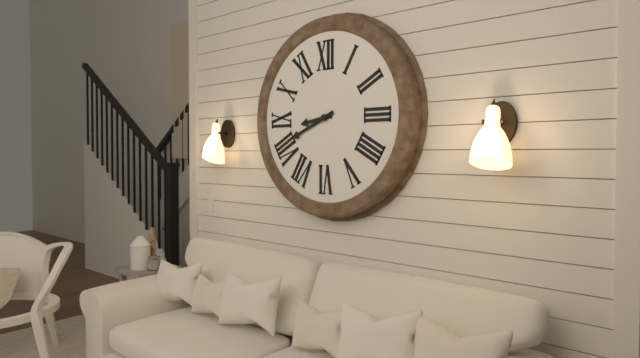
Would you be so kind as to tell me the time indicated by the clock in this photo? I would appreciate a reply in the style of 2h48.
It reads 8h41
